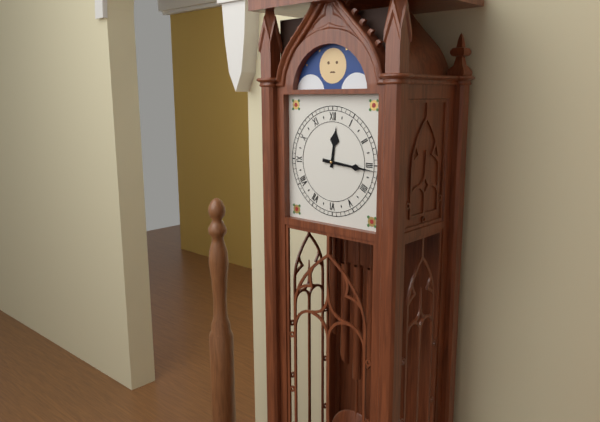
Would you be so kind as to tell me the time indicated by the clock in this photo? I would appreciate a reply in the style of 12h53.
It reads 12h16
